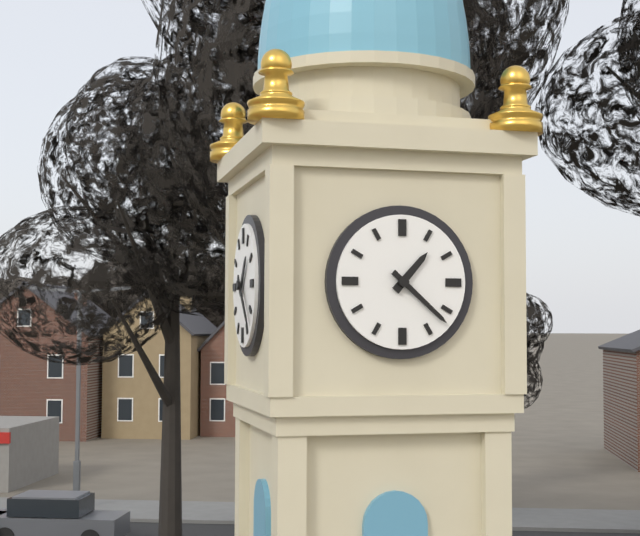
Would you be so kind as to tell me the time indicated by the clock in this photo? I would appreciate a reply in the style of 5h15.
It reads 1h22
